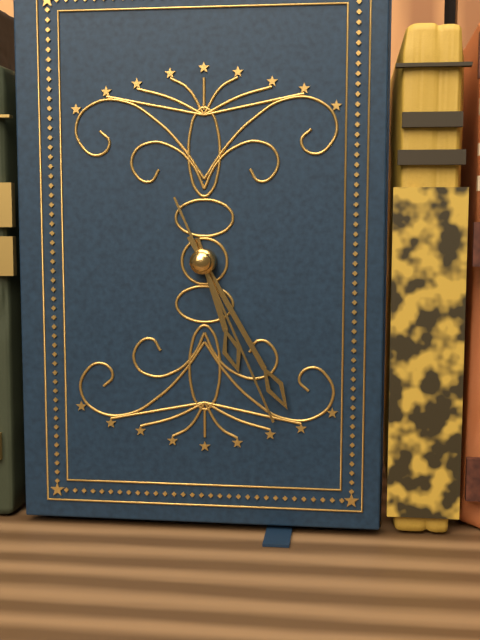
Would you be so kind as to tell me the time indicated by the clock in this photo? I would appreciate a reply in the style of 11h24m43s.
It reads 5h25m26s
